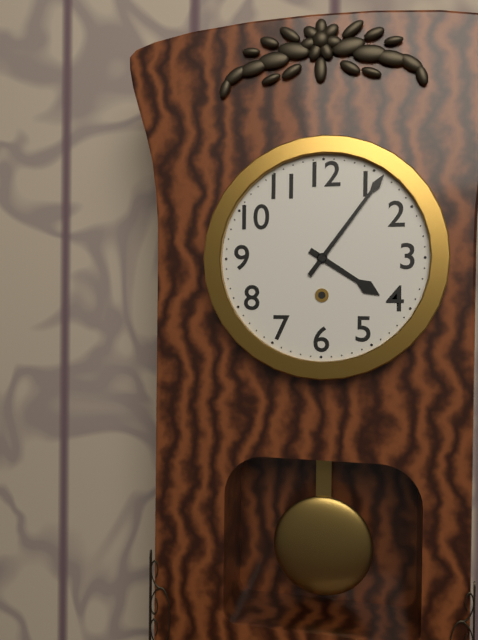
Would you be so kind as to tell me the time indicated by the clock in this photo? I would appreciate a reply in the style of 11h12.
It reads 4h06
